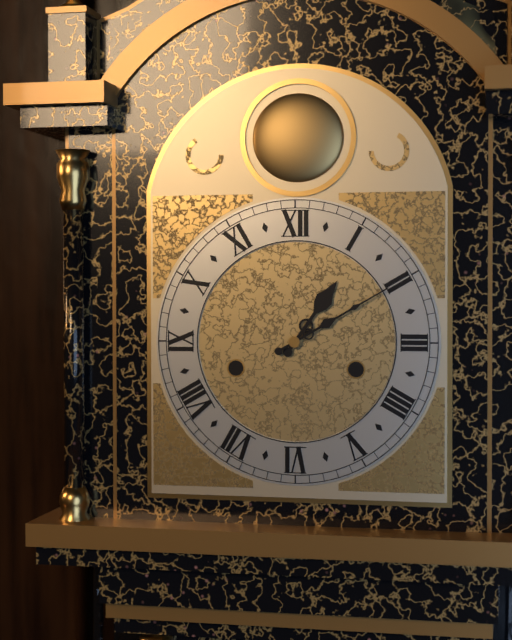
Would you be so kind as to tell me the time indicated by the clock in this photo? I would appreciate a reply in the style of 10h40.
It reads 1h10
